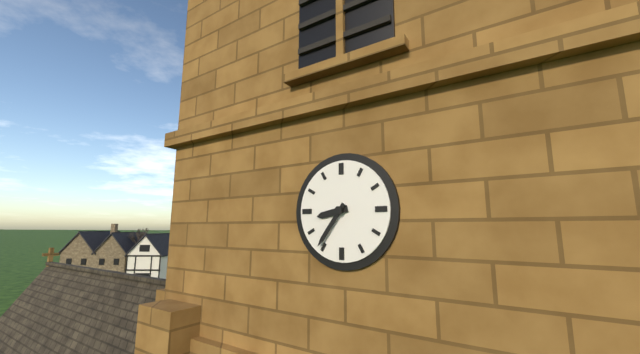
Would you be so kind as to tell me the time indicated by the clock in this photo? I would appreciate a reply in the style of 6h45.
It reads 8h36
